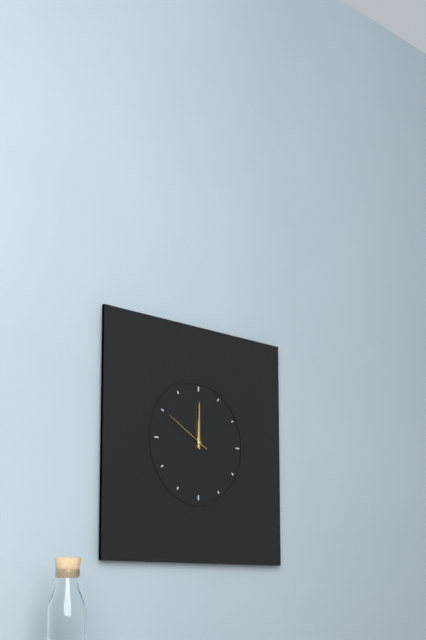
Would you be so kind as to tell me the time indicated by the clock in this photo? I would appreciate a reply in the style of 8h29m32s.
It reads 12h00m50s
